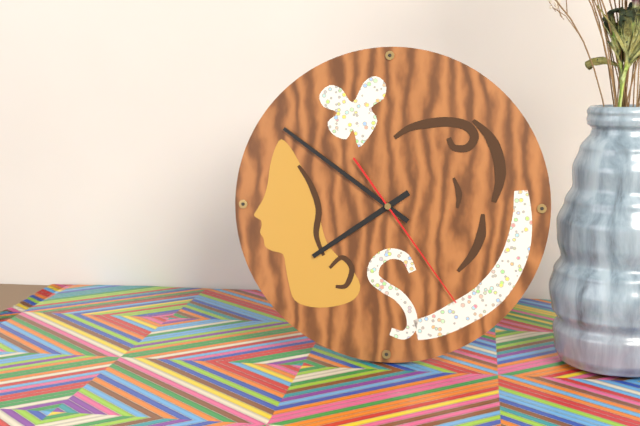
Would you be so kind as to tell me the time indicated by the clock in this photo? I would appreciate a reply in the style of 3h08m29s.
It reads 7h51m24s
